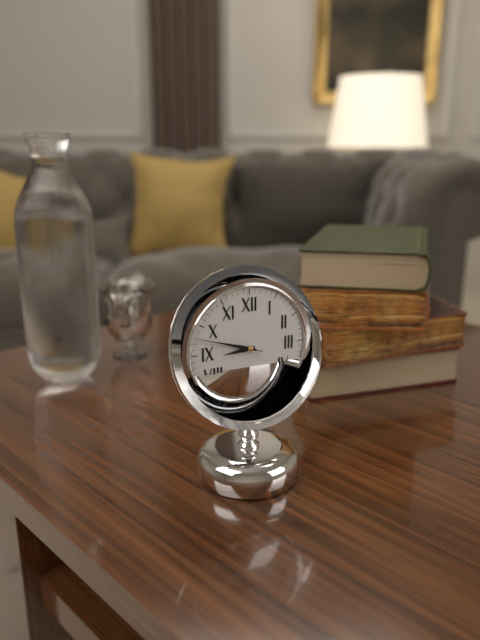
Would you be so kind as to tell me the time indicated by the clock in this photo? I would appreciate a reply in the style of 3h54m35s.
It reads 8h48m48s
